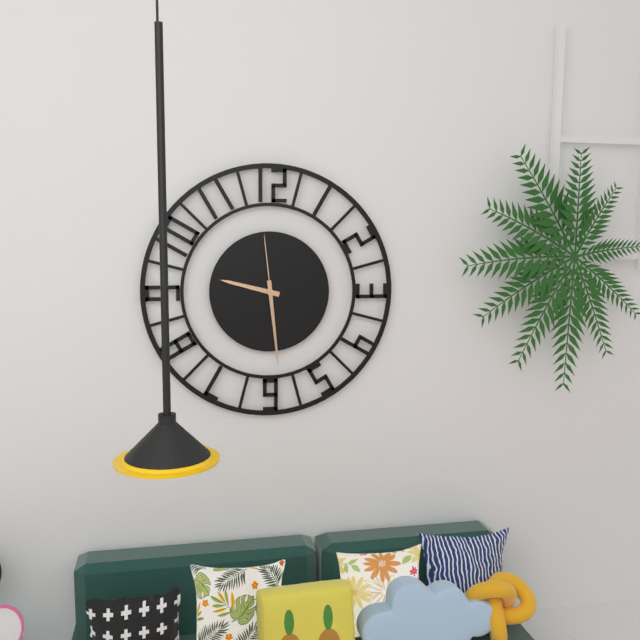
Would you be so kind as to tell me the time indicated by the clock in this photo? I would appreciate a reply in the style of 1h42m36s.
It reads 9h29m59s
